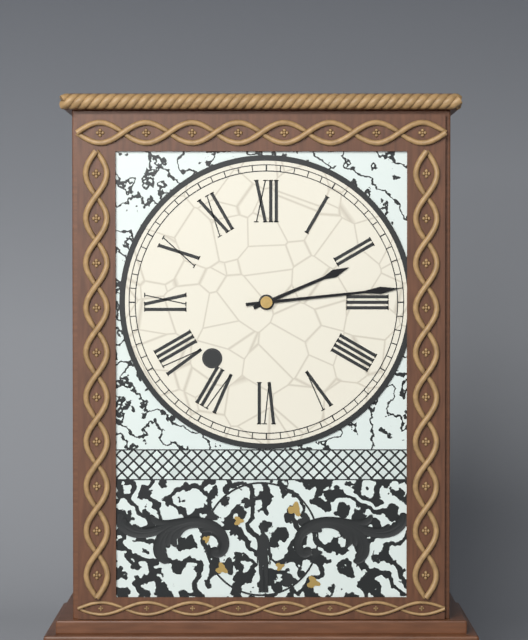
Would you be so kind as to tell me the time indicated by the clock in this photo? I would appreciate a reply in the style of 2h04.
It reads 2h14
